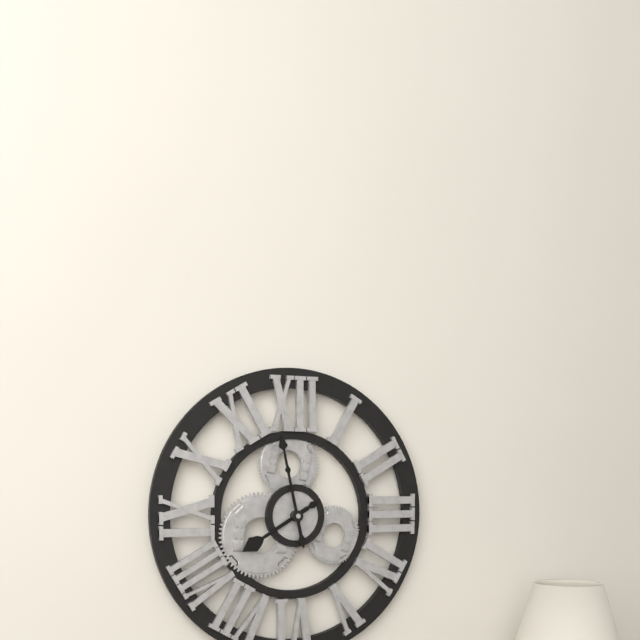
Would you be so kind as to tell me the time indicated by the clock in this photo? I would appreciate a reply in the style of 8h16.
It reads 7h58
